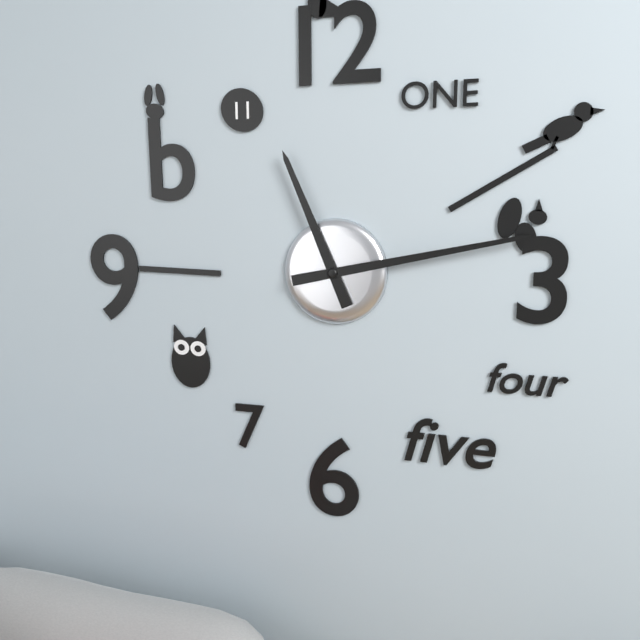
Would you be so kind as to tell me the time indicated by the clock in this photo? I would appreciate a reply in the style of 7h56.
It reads 11h13
